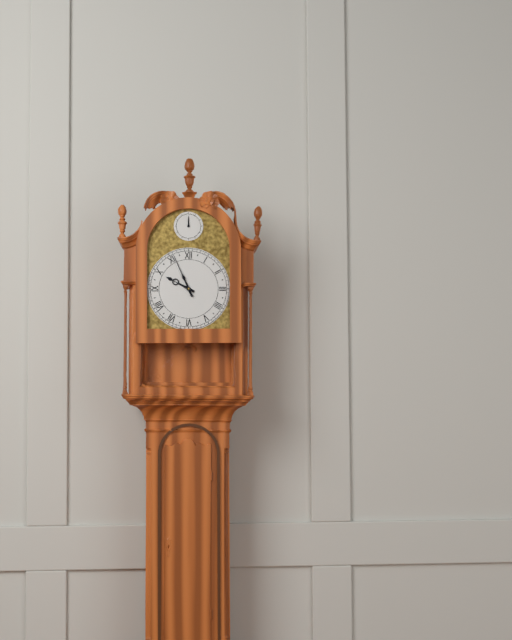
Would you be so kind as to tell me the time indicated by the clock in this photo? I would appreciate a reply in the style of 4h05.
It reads 9h56
